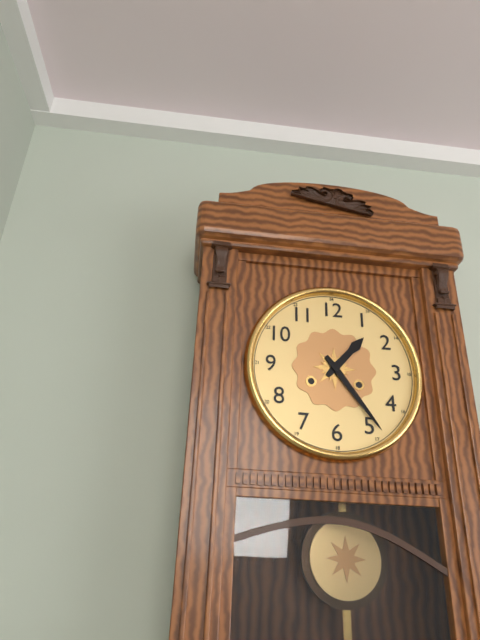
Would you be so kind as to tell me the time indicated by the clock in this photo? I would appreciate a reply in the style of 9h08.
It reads 1h24
